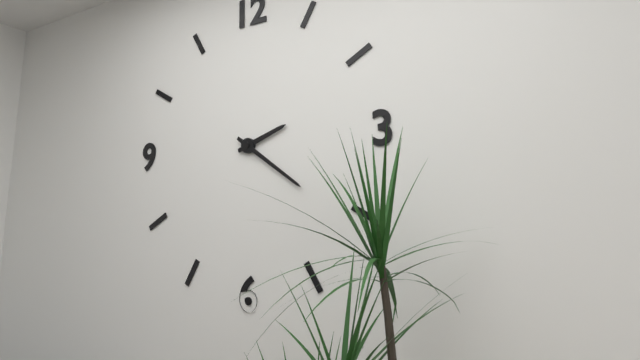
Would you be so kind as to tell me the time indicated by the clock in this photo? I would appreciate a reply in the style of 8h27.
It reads 2h21
